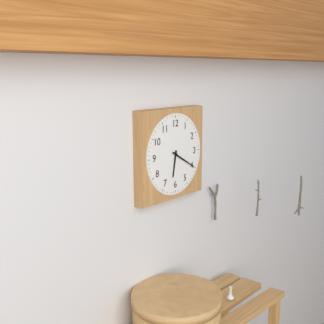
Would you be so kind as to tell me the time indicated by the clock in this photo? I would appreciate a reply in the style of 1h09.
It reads 6h20
